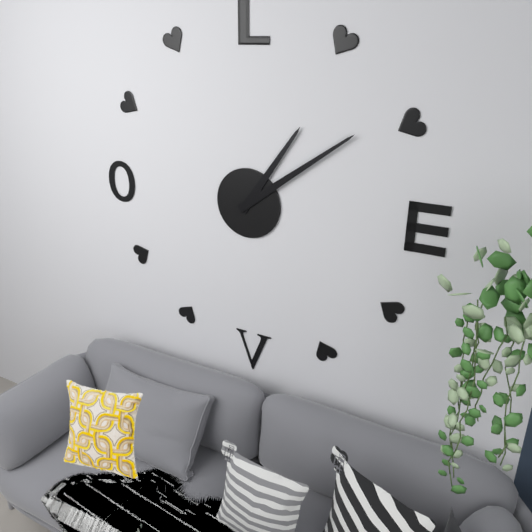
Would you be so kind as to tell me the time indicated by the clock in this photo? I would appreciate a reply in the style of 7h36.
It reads 1h09
